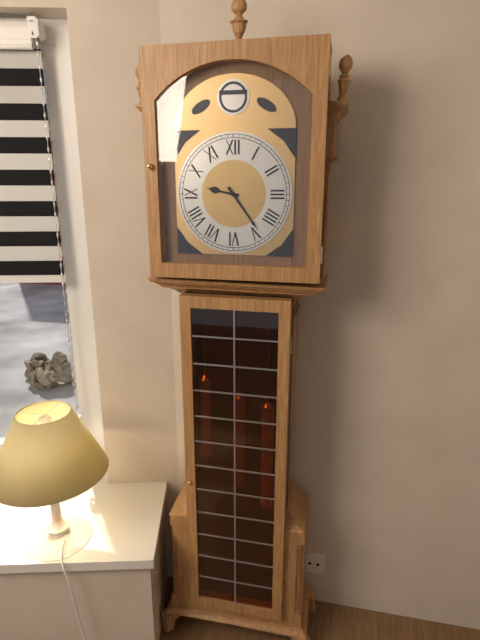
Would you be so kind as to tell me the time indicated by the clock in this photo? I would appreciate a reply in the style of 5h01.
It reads 9h24
